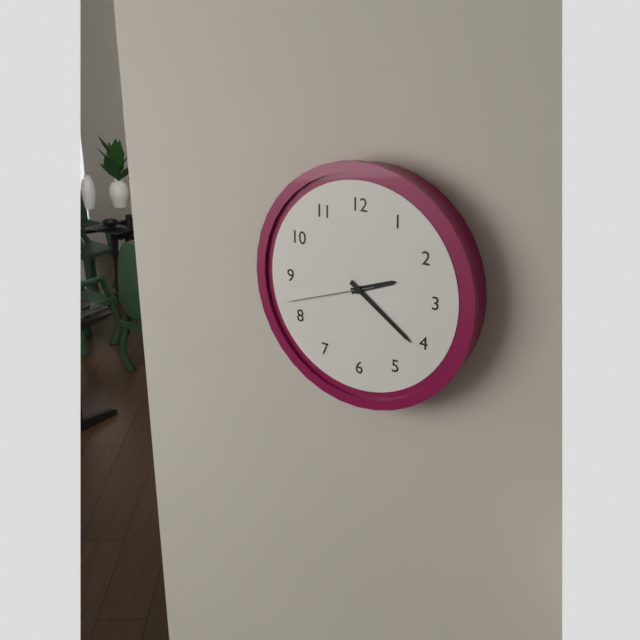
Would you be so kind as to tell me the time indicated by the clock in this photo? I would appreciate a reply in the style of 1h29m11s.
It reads 2h21m42s
